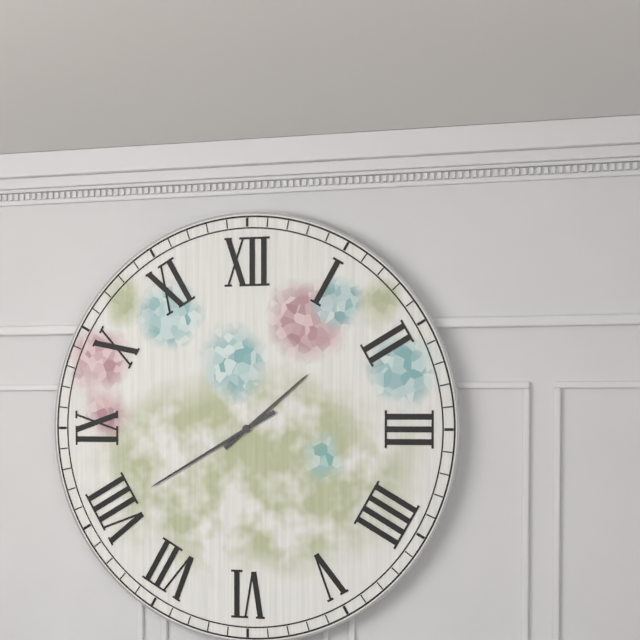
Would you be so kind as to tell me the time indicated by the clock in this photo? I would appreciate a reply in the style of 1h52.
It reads 1h40
